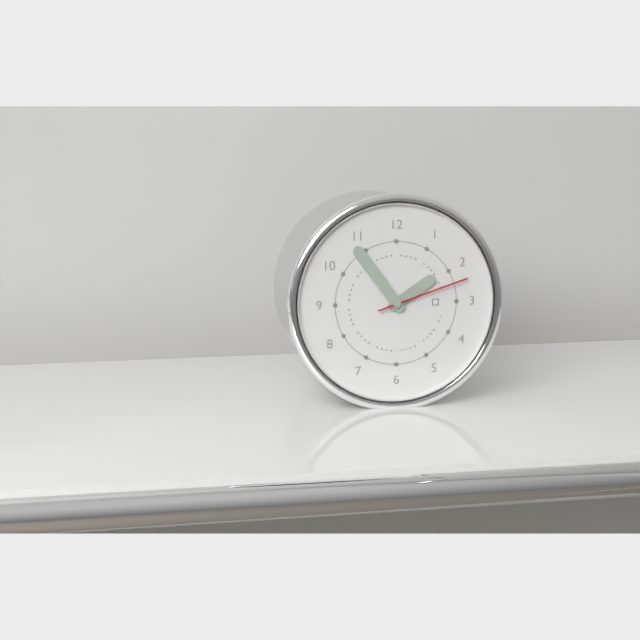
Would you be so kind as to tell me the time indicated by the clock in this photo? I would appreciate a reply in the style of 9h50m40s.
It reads 1h54m12s
